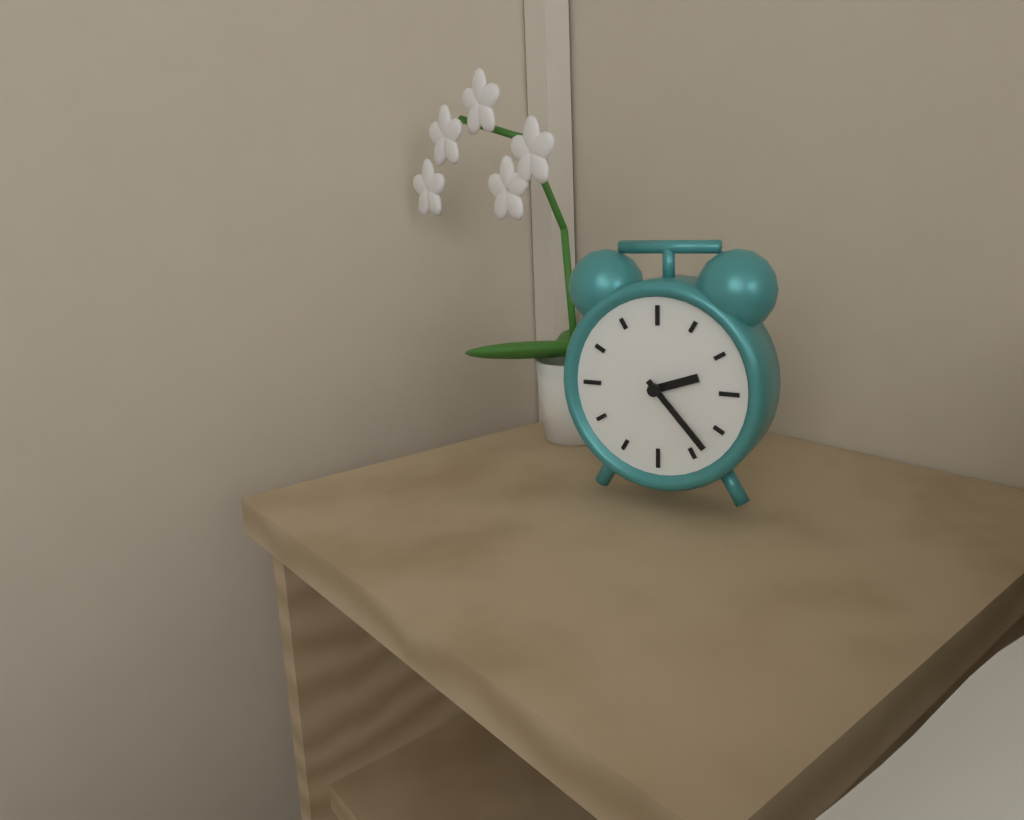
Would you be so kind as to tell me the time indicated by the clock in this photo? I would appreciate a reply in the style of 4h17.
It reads 2h23
